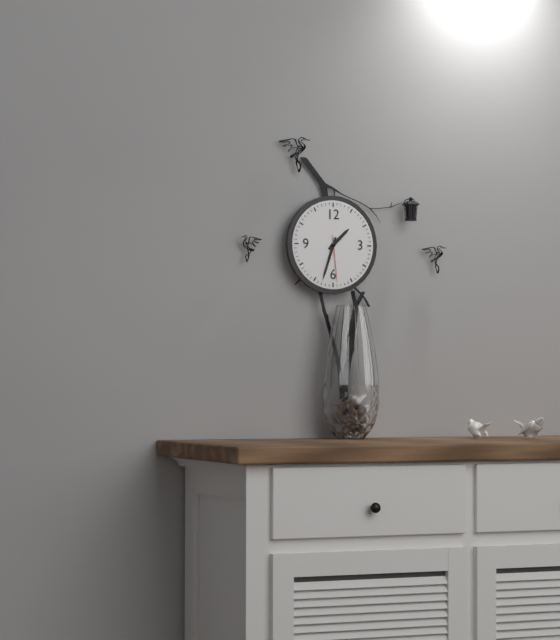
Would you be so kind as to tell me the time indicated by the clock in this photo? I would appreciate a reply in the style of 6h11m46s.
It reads 1h33m29s
